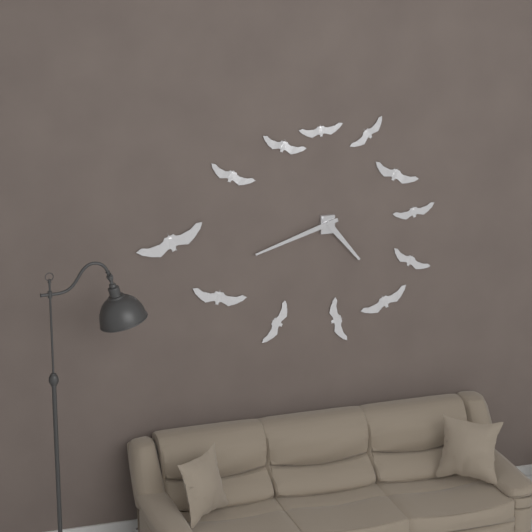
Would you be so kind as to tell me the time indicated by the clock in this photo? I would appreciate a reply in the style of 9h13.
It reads 4h42
